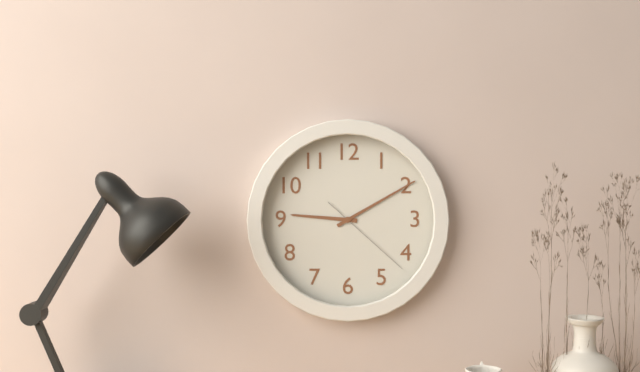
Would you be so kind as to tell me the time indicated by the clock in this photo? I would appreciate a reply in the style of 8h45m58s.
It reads 9h10m22s
